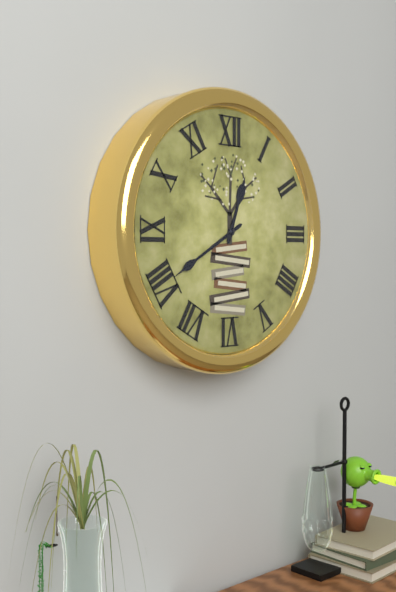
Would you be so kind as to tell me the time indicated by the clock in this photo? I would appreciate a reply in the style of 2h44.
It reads 12h40
